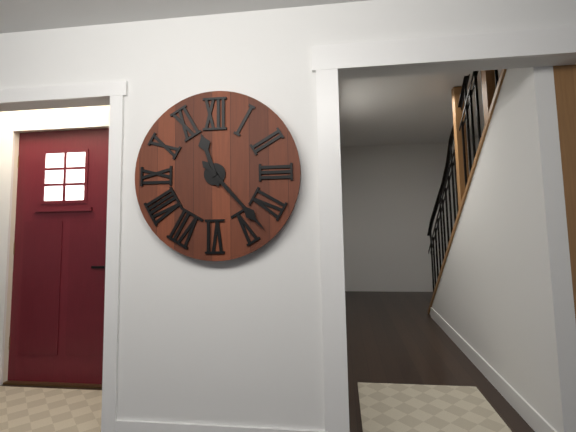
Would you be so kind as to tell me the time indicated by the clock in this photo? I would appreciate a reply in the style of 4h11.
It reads 11h23
